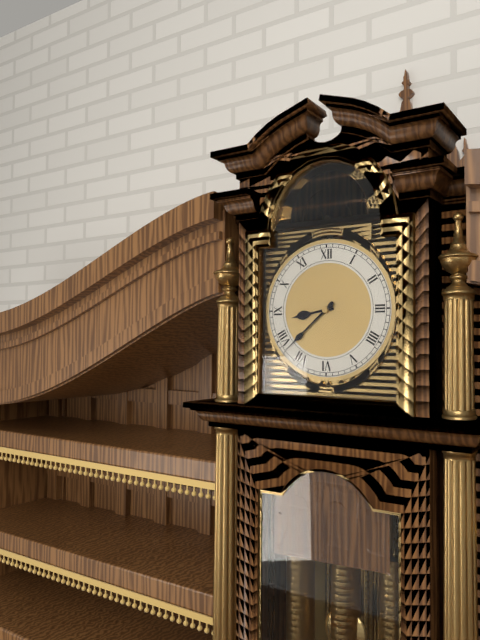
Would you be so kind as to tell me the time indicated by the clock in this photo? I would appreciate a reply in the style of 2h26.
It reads 8h38
